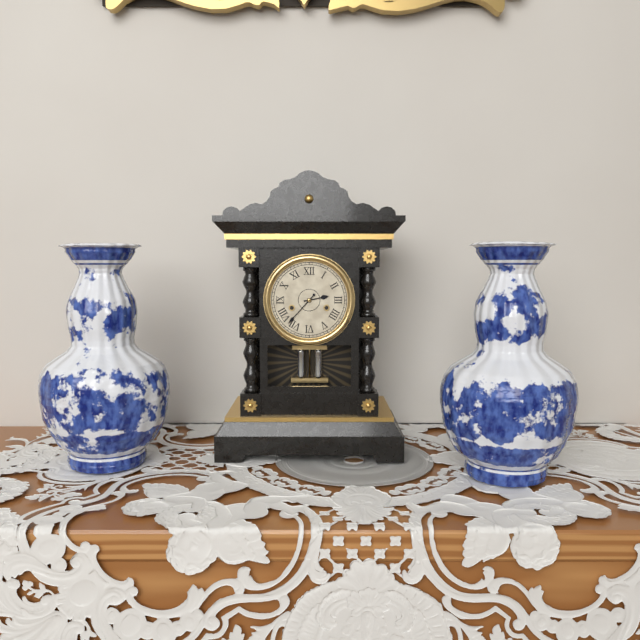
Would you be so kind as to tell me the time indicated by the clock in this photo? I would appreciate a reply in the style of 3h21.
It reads 2h37
